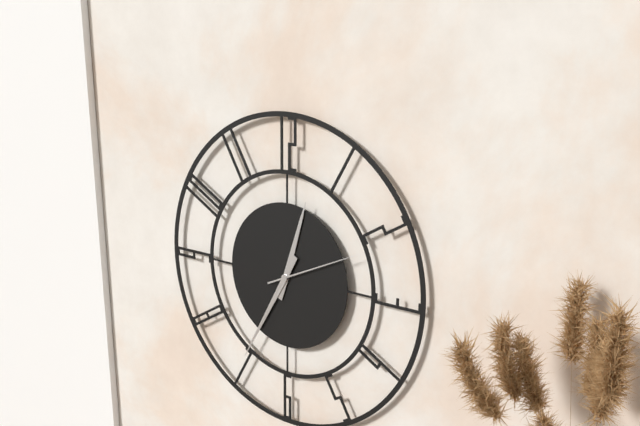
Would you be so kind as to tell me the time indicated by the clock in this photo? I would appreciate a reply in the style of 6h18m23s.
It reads 12h35m11s
